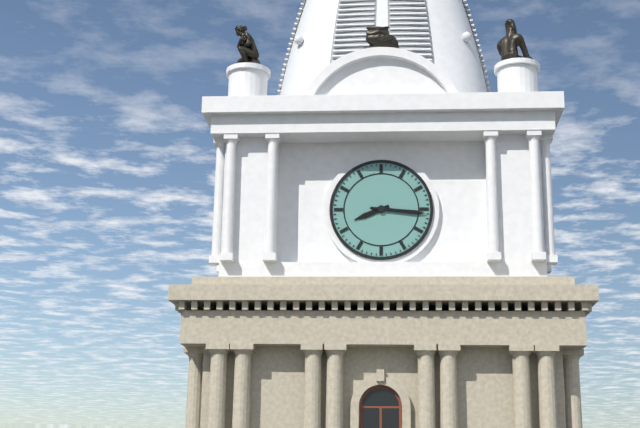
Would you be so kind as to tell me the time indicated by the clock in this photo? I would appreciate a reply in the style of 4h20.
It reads 8h16
